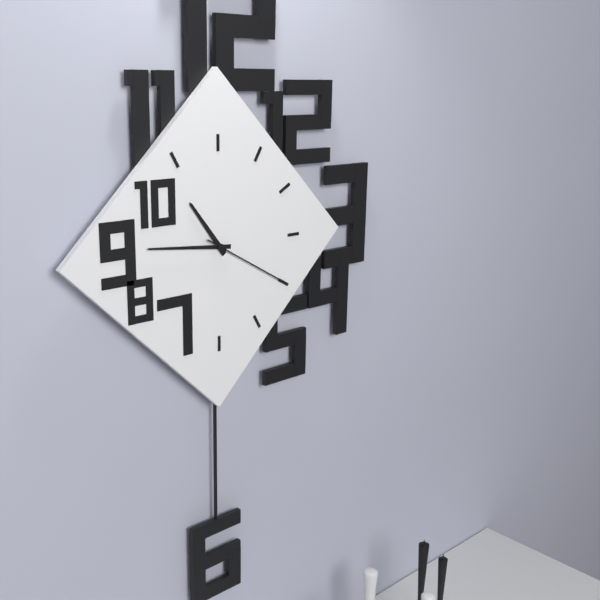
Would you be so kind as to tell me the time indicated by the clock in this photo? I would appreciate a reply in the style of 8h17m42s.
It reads 10h46m20s
